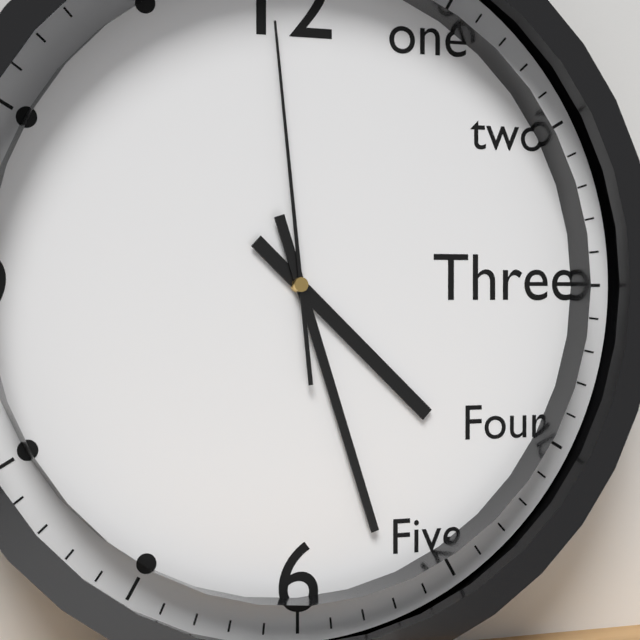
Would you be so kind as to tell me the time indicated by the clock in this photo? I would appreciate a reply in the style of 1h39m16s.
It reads 4h27m59s
